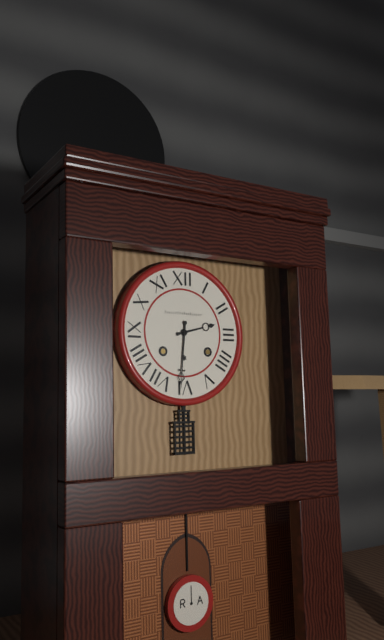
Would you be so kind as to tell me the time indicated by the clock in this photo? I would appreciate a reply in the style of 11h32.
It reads 2h31
